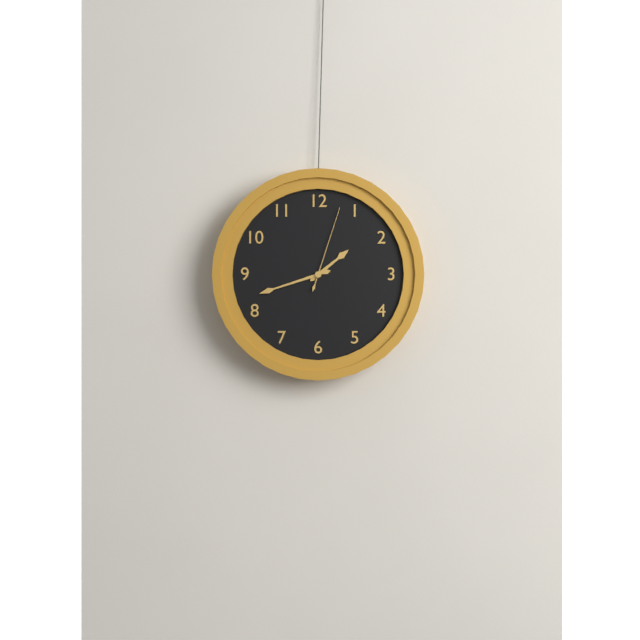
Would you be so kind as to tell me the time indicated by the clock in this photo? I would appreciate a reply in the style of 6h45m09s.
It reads 1h42m03s
